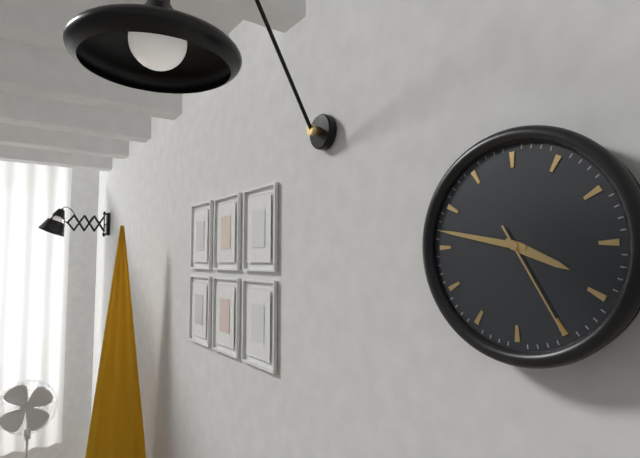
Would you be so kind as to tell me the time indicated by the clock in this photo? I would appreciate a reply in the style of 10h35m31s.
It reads 3h47m25s
